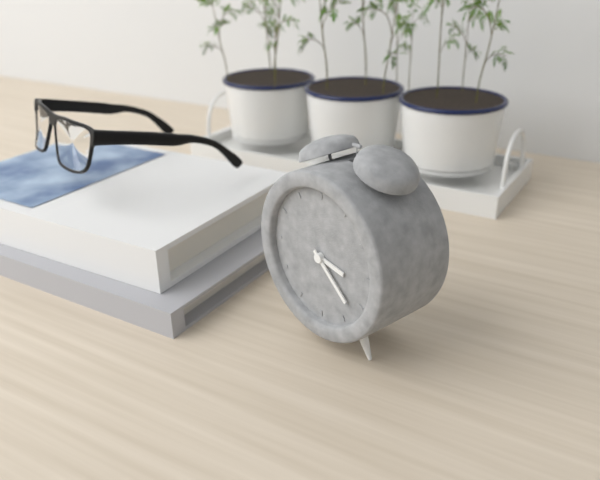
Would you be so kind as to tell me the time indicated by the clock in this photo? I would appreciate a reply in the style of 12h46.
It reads 3h22
